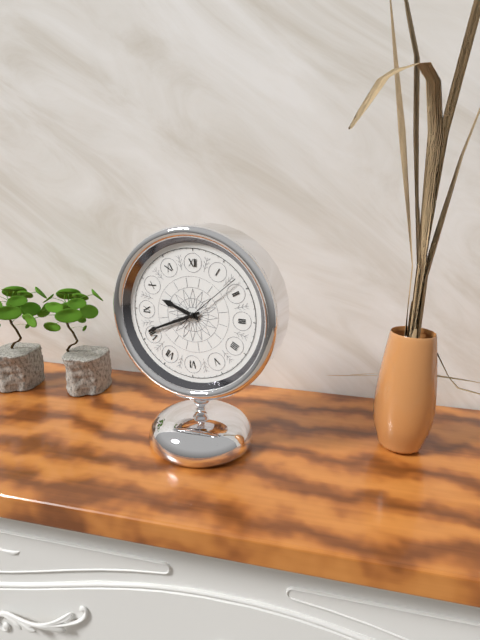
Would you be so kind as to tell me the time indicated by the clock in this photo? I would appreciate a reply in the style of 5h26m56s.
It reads 9h41m08s
